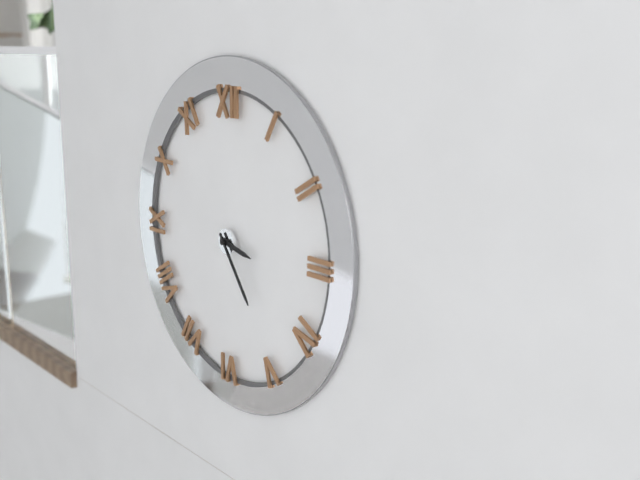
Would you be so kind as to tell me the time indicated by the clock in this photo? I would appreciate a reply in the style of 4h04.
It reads 3h24
